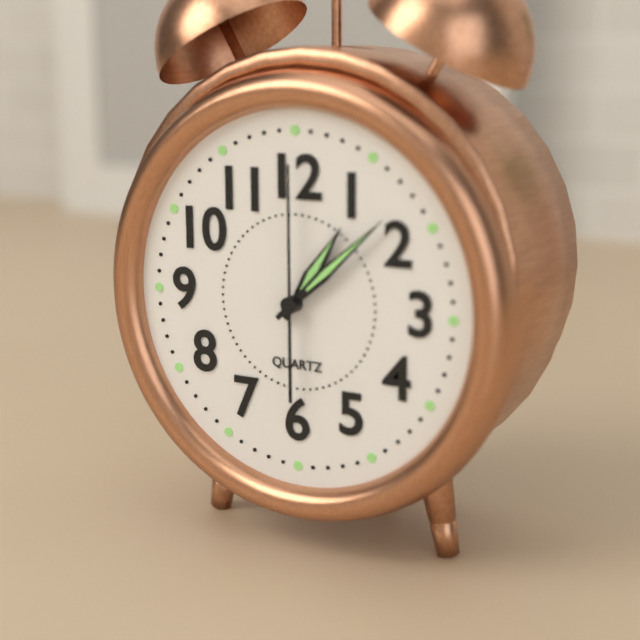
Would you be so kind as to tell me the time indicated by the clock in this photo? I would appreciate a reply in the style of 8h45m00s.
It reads 1h08m00s
